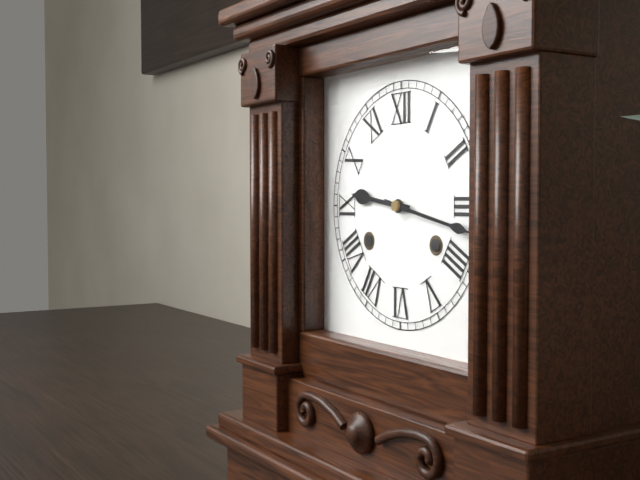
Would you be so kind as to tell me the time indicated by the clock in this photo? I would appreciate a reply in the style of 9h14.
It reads 9h17
